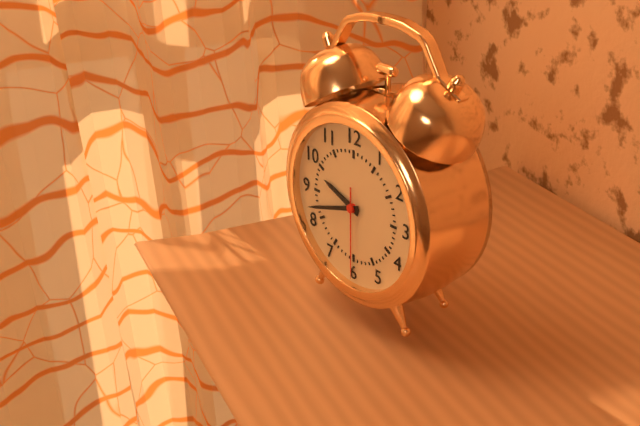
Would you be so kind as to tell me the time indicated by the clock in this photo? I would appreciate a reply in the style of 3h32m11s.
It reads 9h42m30s
